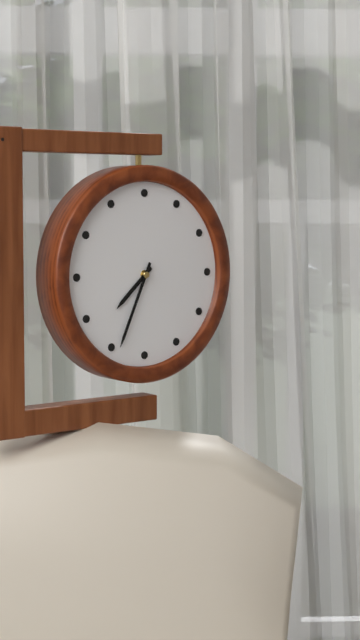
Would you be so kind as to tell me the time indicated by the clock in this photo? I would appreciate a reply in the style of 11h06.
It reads 7h34
